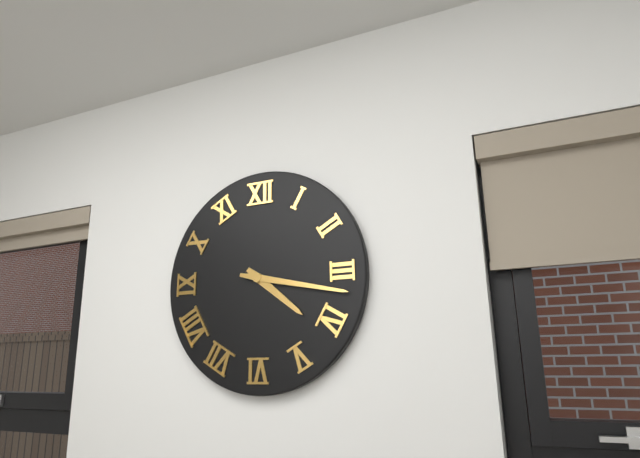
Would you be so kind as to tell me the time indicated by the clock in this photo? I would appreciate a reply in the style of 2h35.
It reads 4h17
